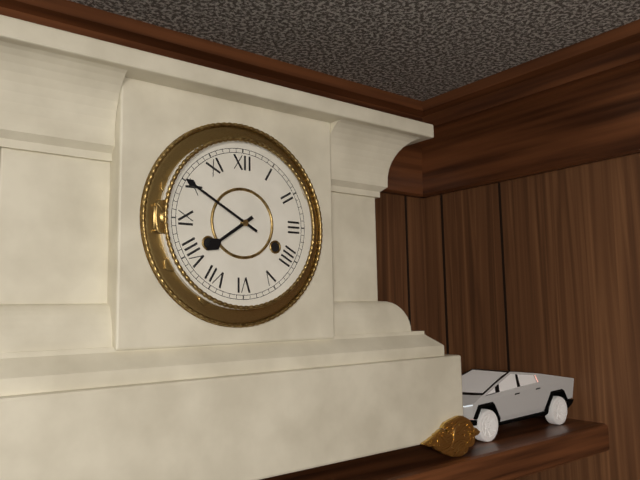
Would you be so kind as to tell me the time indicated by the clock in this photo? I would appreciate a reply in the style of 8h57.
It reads 7h50
